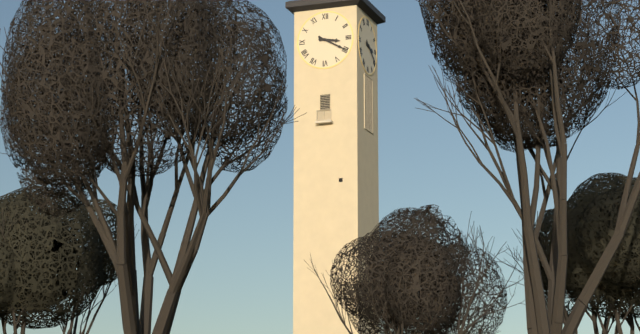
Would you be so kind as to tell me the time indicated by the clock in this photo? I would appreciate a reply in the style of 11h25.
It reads 3h20
